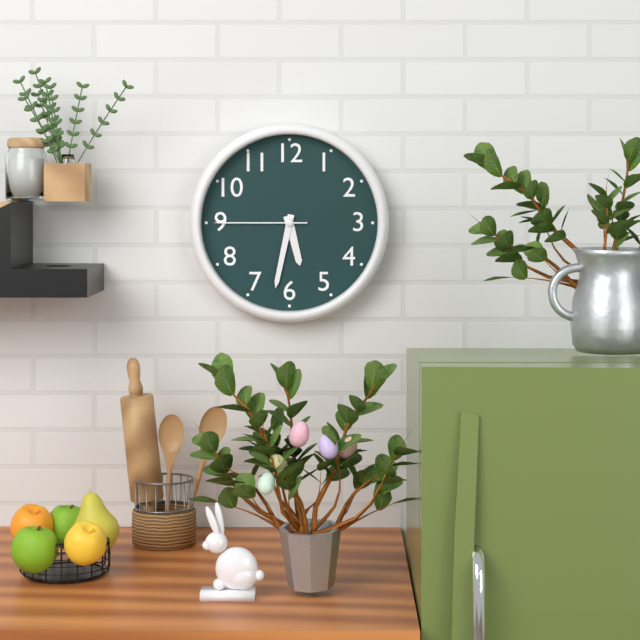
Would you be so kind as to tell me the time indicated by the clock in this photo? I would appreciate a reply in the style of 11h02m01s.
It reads 5h32m45s
